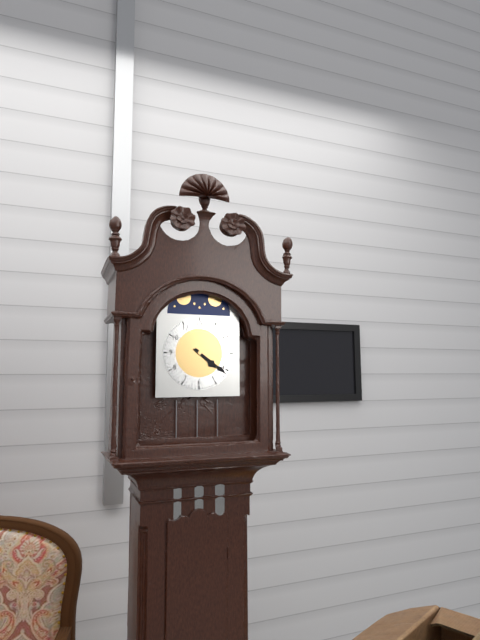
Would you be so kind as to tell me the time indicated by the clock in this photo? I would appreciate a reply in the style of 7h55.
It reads 4h21
